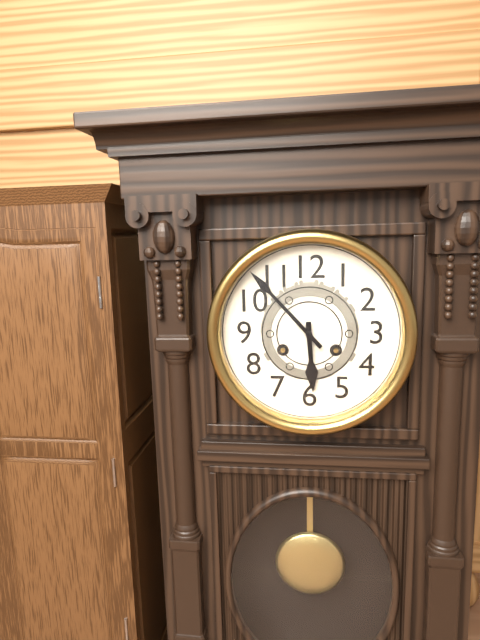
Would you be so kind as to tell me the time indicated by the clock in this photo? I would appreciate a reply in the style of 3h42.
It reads 5h53
